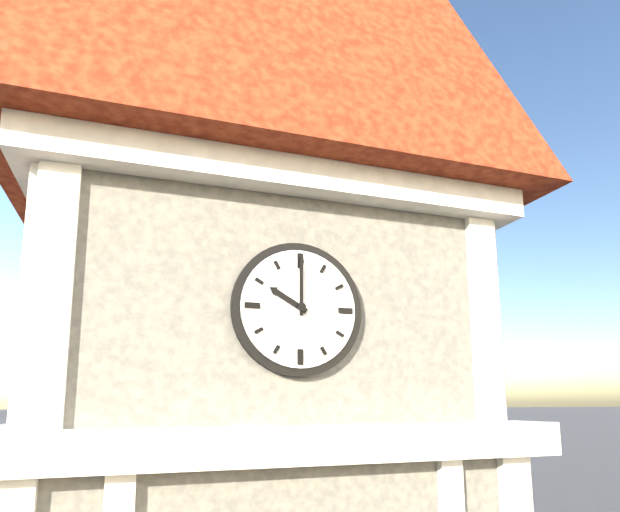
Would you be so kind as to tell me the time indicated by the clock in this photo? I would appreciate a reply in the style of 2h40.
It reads 10h00
